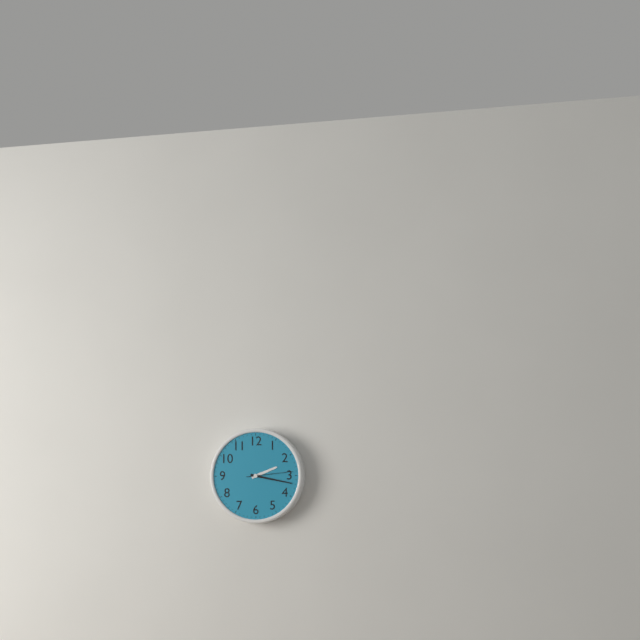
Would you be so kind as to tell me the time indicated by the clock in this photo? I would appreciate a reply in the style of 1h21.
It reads 2h17
